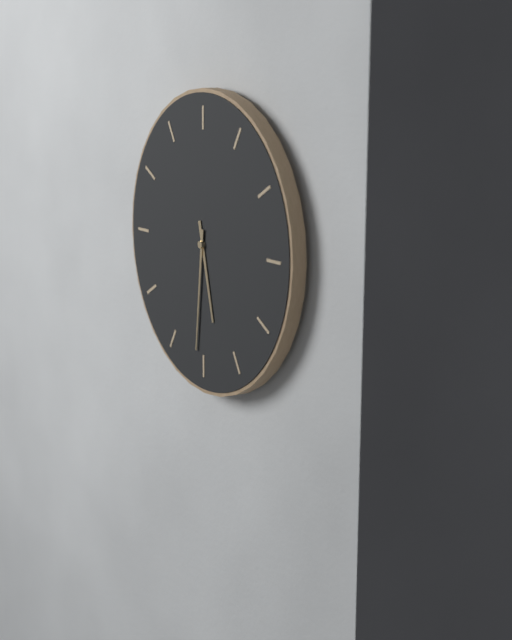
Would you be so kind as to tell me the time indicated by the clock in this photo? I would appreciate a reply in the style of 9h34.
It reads 5h31
